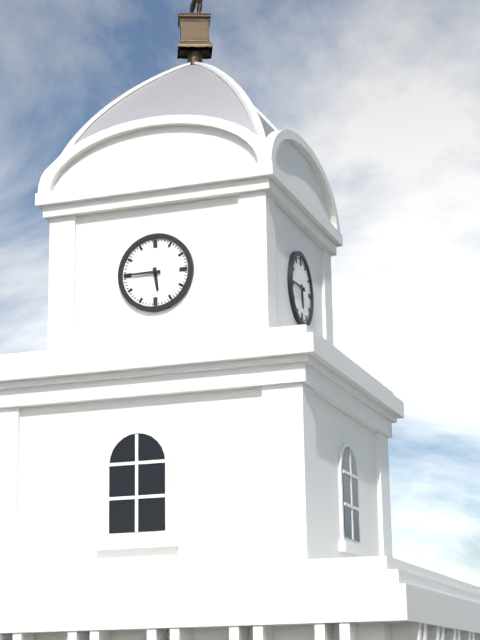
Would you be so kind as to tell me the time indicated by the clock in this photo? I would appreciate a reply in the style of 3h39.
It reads 5h45
